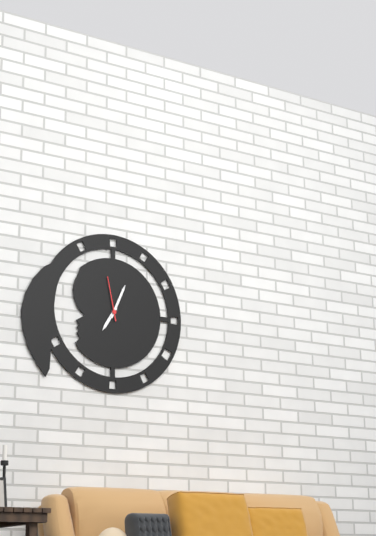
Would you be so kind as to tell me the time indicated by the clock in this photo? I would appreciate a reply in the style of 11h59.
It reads 7h04
